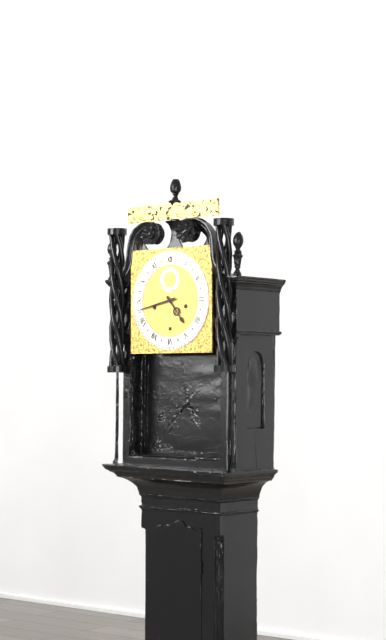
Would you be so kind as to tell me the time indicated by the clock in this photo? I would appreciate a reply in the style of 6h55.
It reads 4h43
